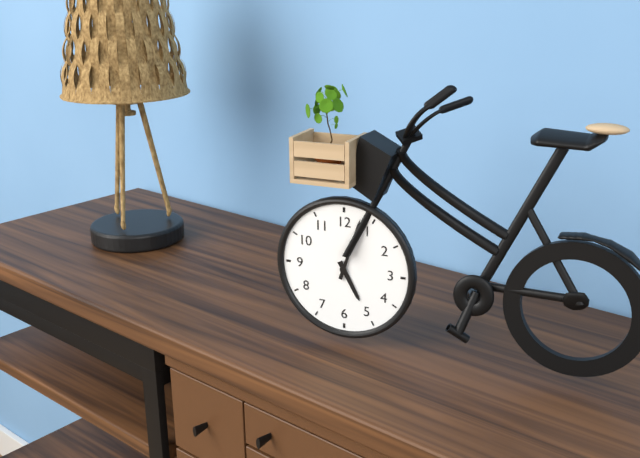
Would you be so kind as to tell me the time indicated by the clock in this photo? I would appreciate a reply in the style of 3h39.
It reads 5h03
